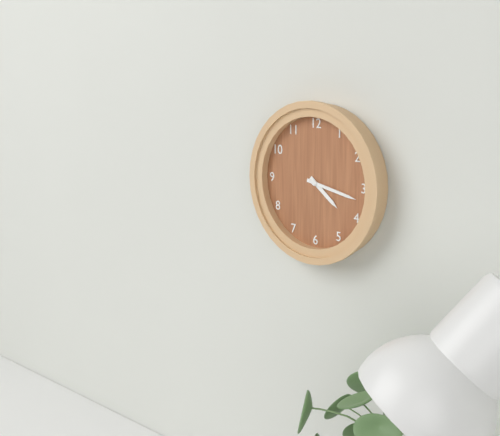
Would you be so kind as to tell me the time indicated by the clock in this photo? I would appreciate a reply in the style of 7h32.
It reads 4h17
